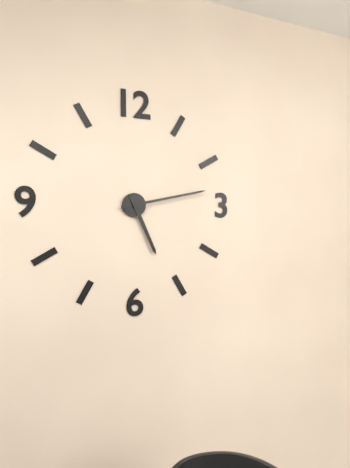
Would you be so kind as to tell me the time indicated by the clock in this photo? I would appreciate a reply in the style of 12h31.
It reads 5h13
